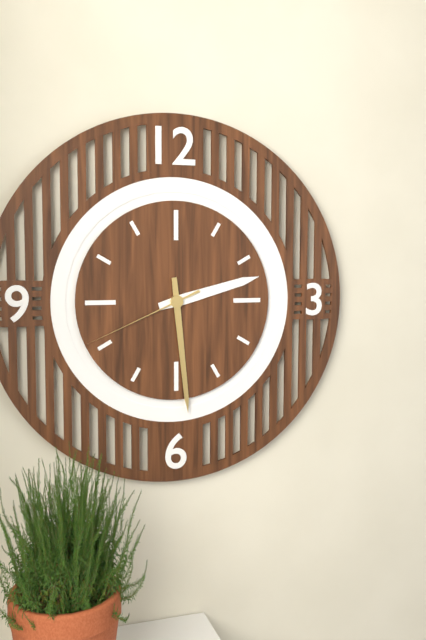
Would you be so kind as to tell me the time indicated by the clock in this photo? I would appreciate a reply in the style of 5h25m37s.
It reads 2h29m41s
